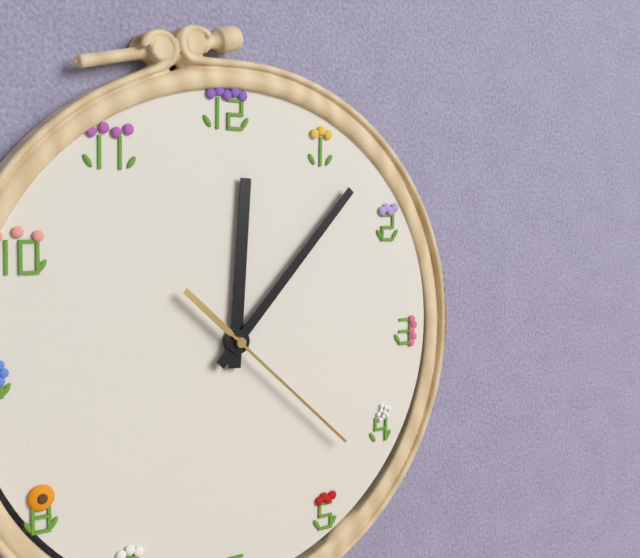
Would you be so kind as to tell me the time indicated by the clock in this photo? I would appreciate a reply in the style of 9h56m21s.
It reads 12h07m22s
